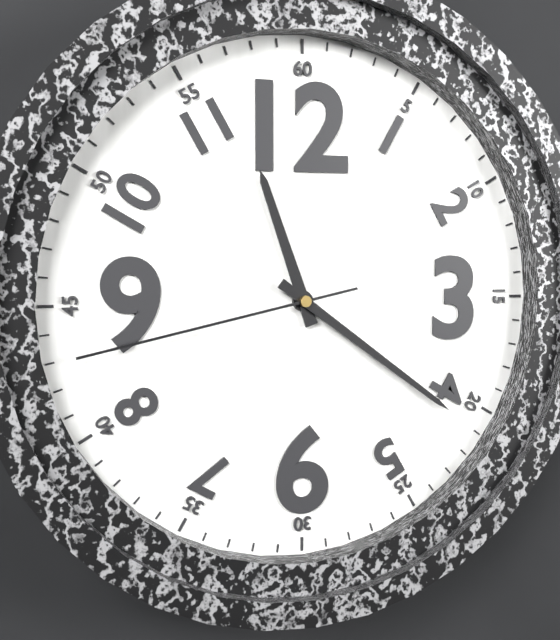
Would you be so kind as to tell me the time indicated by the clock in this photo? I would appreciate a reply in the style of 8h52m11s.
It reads 11h21m43s
